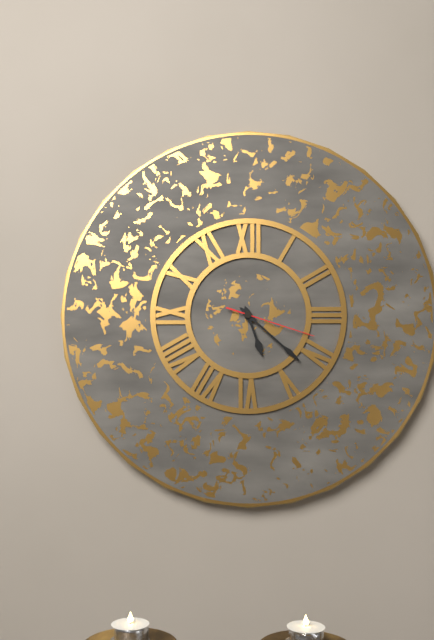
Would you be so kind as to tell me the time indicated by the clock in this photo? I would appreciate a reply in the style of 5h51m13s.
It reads 5h22m18s
